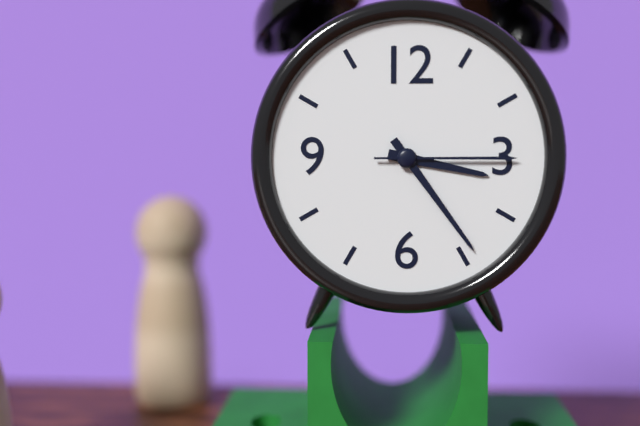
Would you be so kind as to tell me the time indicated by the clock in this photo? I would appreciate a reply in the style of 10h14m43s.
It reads 3h24m15s
